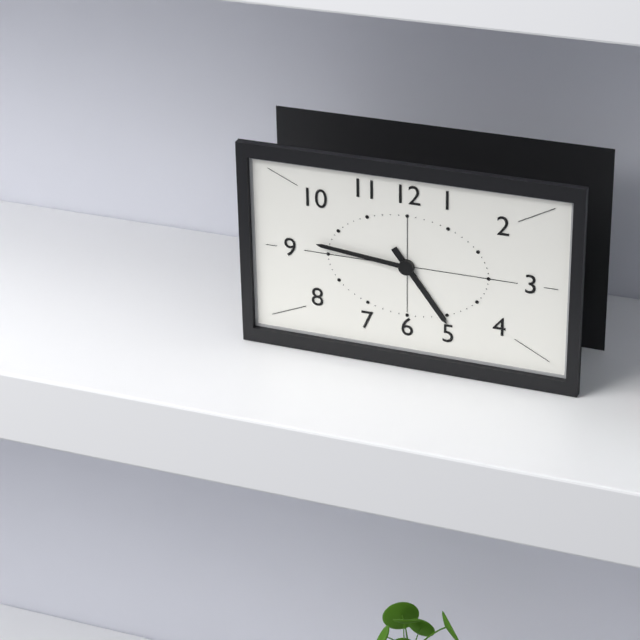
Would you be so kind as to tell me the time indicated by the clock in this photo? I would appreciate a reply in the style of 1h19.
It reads 4h46
